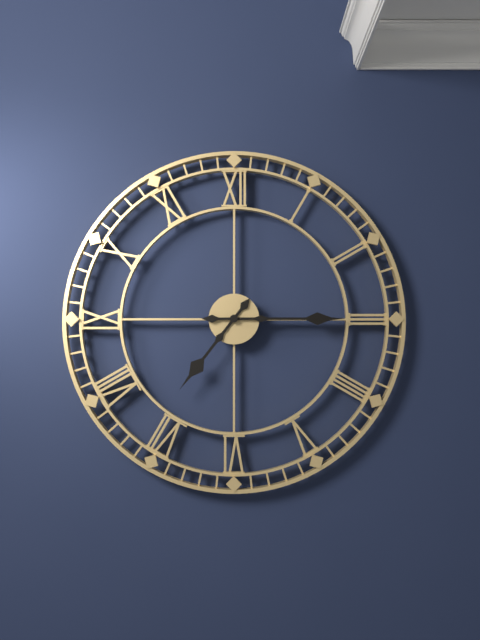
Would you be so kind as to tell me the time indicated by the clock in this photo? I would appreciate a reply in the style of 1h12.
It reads 7h15
